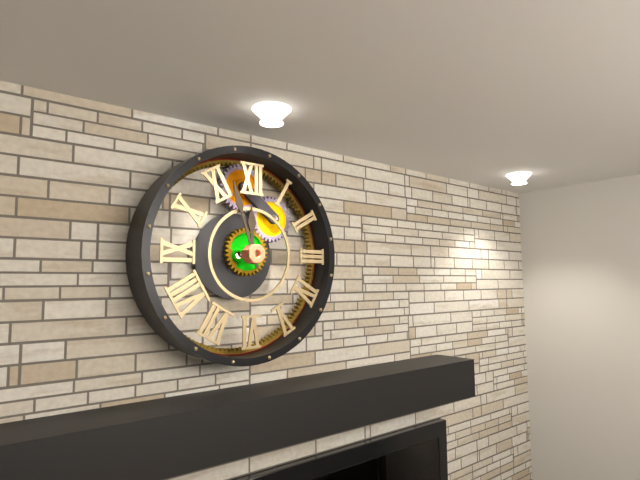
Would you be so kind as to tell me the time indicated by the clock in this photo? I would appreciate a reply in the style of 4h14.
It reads 11h57
